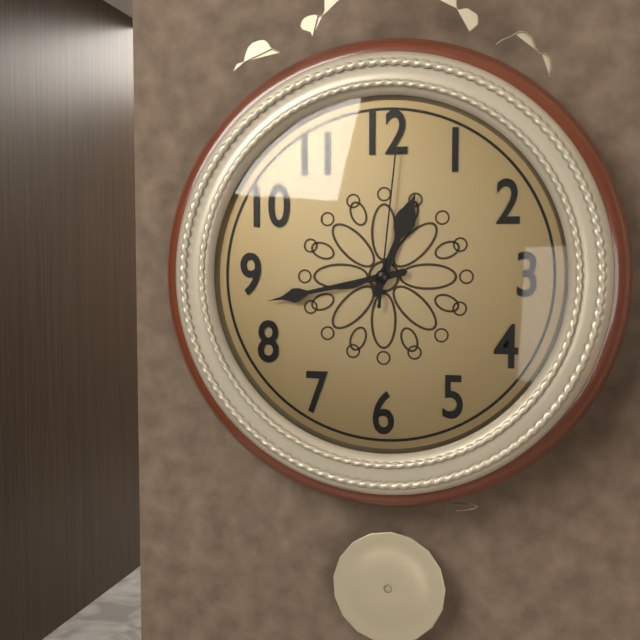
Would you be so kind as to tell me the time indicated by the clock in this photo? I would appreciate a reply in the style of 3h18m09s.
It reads 12h43m01s
